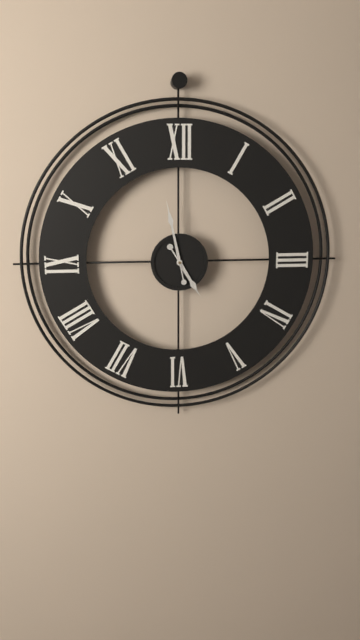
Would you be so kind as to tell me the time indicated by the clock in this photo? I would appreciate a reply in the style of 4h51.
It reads 4h58
